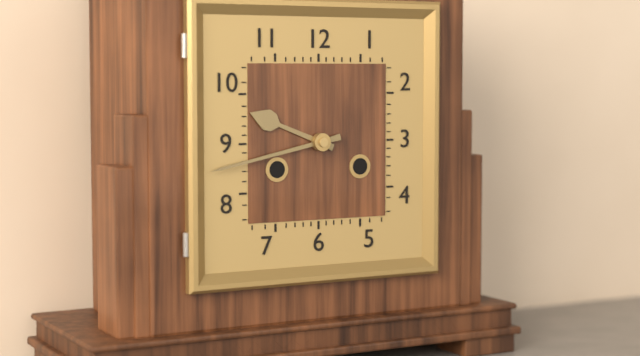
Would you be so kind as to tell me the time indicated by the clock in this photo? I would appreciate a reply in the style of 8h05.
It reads 9h43
